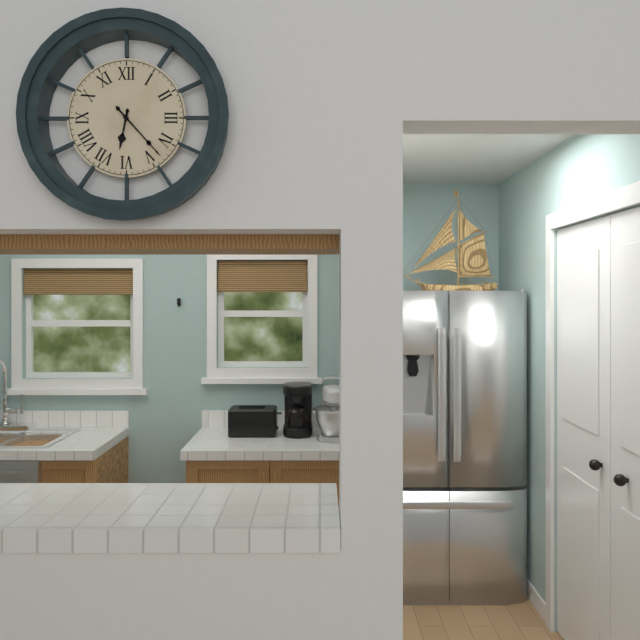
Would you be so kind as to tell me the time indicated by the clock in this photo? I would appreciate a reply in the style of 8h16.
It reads 6h23
